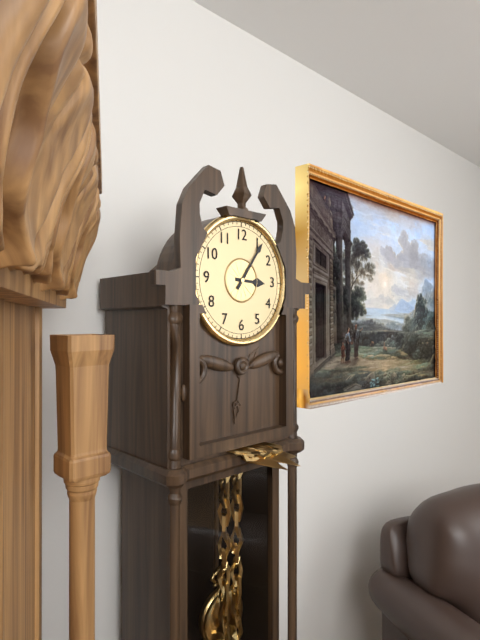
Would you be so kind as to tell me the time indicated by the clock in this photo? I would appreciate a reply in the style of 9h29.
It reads 3h06
